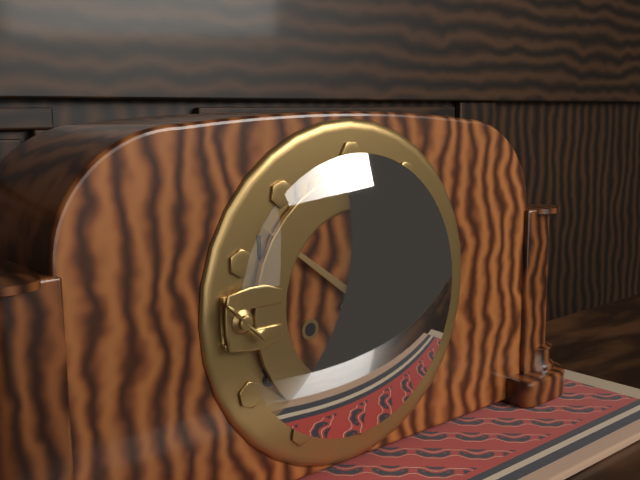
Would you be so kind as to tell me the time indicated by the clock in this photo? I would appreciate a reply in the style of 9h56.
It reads 1h51
